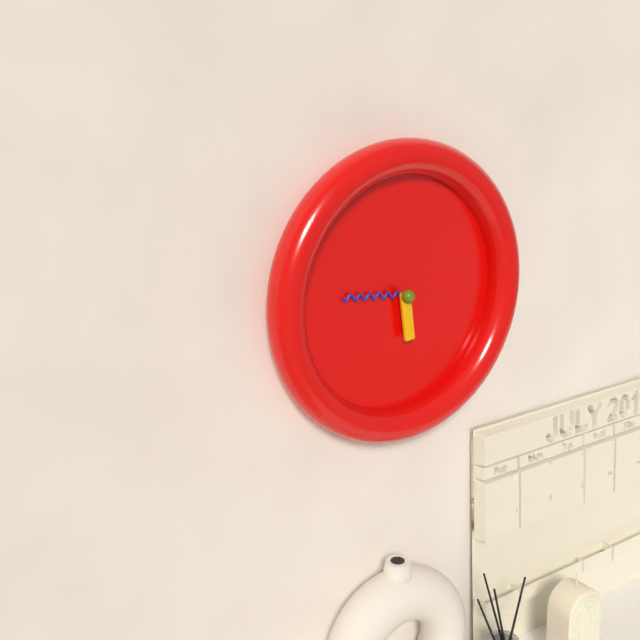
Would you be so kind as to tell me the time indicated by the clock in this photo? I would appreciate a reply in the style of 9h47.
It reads 5h46
